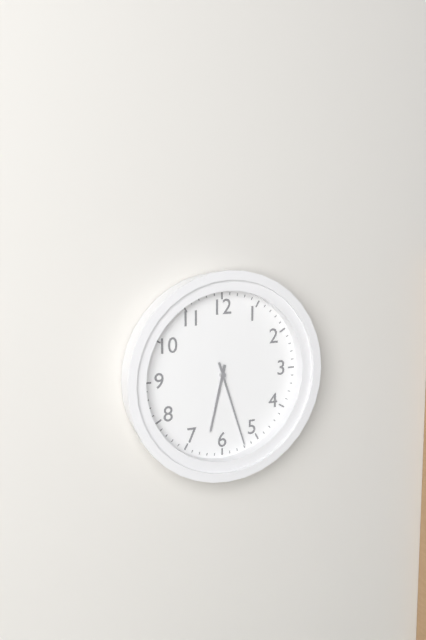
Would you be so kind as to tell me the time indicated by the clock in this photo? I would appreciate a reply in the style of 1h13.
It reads 6h27
